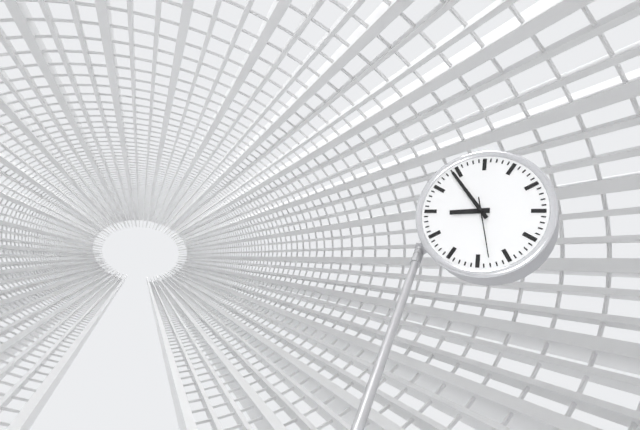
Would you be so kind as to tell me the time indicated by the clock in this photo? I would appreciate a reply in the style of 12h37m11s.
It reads 8h54m28s
